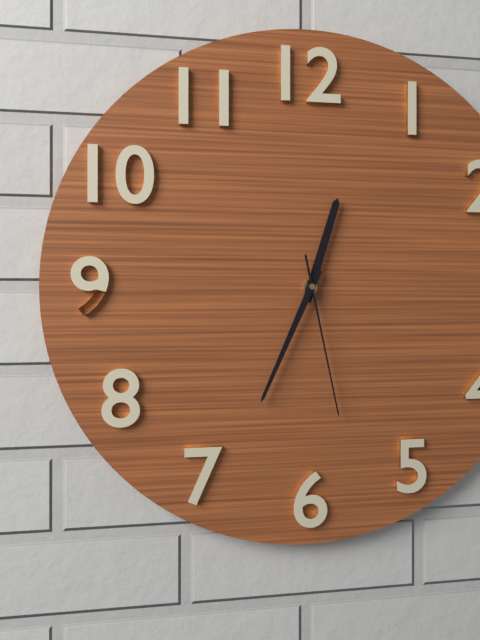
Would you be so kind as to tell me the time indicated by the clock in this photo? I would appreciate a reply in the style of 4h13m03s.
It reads 12h34m28s
